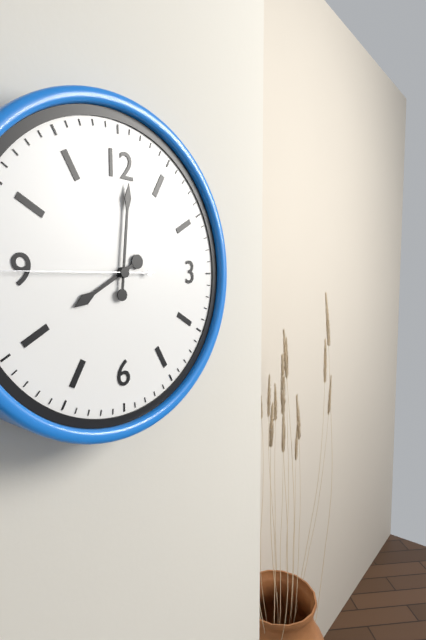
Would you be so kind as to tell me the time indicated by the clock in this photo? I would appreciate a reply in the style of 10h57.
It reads 8h01
